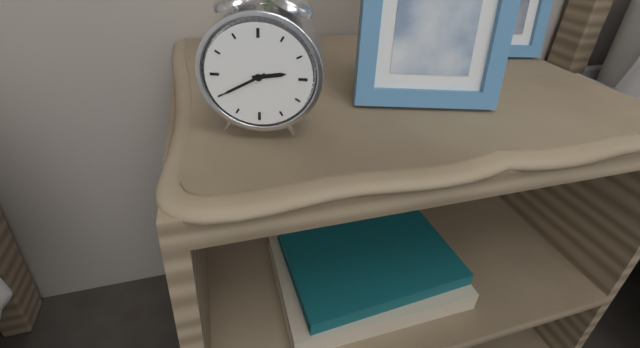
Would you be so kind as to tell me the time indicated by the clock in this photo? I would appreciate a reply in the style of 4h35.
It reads 2h40
